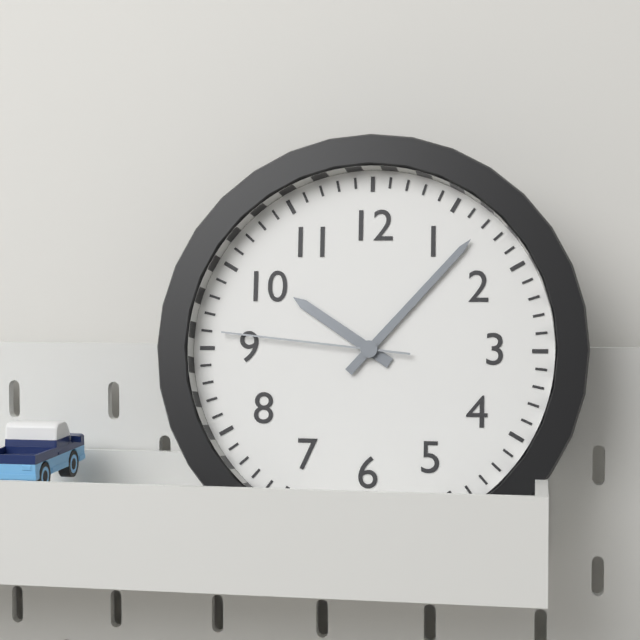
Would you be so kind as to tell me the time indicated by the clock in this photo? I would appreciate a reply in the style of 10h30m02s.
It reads 10h07m46s
